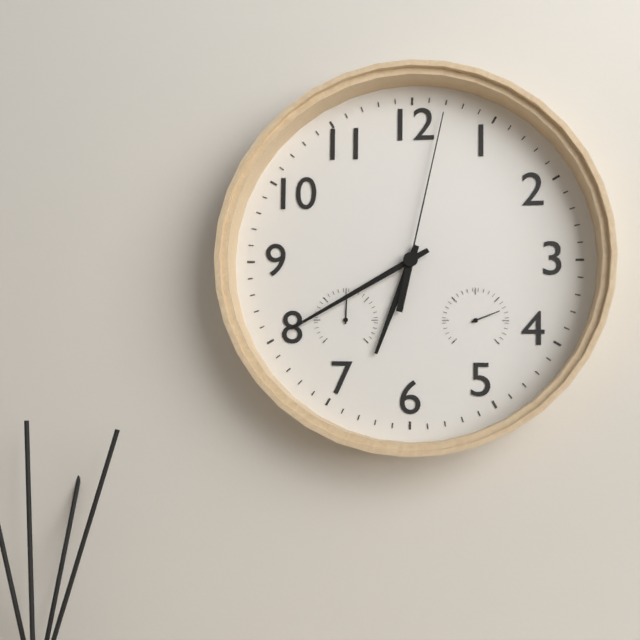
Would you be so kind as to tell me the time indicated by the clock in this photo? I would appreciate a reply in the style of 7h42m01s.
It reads 6h40m02s
